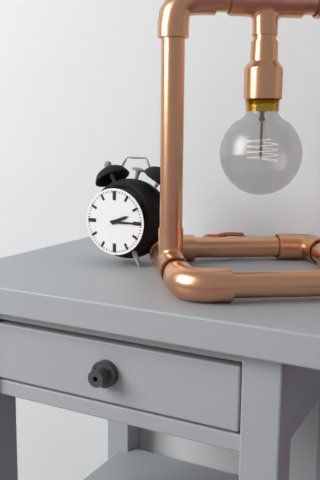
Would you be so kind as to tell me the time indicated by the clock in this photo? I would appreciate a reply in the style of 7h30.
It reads 2h15
